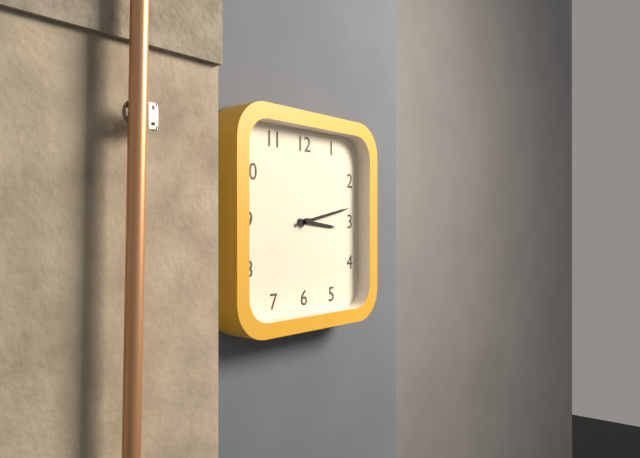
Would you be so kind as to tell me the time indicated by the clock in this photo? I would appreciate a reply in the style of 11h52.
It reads 3h13
